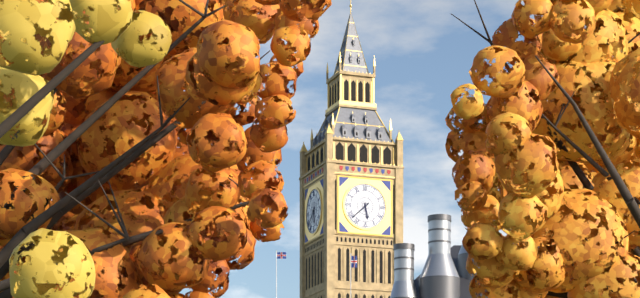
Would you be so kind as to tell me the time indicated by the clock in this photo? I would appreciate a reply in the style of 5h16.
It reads 5h38
